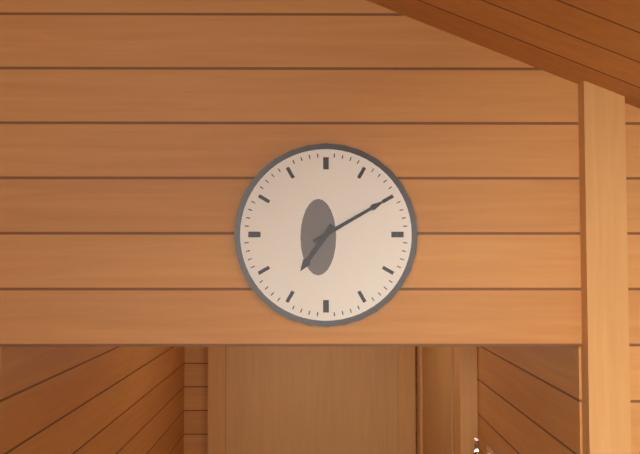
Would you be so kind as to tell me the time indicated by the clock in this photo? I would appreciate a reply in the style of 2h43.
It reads 7h10
